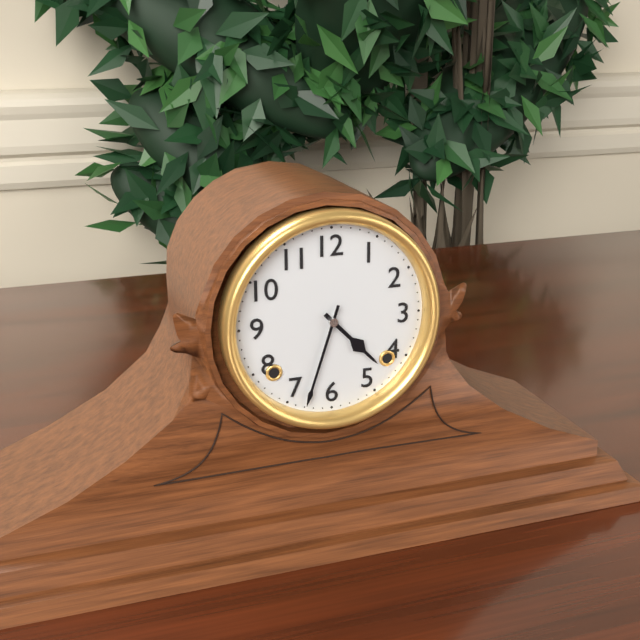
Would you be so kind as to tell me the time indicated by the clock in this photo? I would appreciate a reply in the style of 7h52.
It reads 4h33
